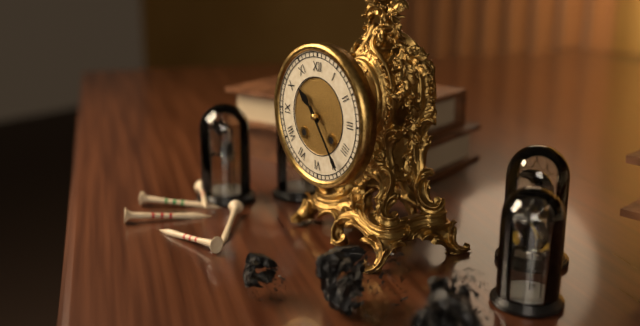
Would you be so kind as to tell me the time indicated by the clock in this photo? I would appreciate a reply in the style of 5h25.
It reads 10h24
